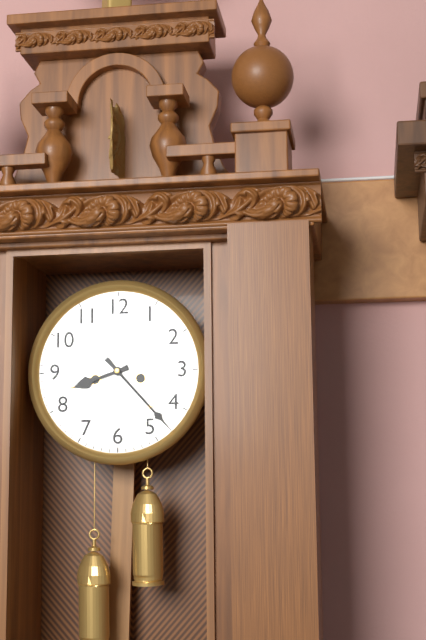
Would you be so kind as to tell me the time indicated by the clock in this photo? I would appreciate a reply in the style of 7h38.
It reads 8h23
